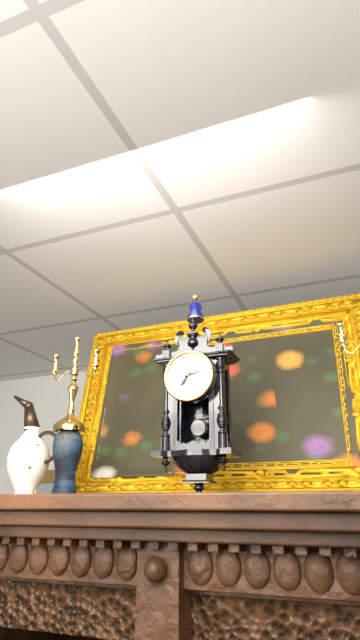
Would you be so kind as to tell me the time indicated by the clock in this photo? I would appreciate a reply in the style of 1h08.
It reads 7h13
